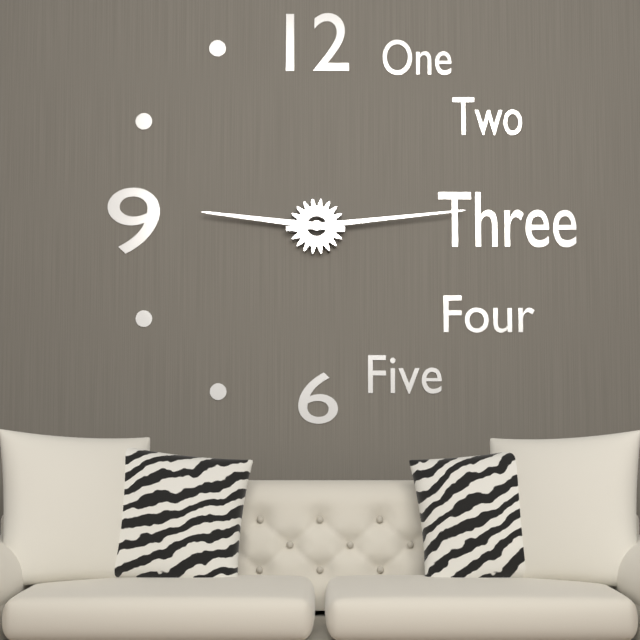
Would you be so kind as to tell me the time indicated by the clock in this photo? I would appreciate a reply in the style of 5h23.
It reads 9h14
